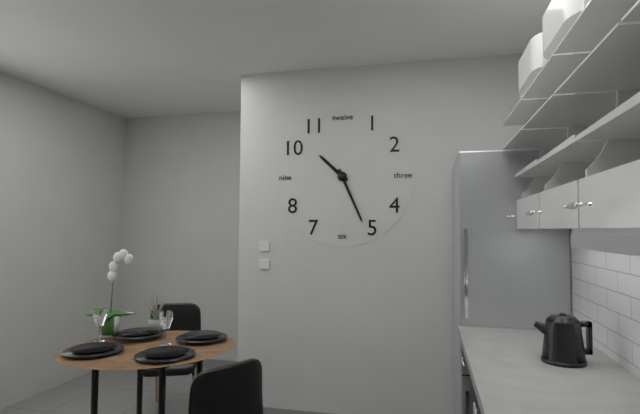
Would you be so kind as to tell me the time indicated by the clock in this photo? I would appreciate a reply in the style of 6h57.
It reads 10h26
